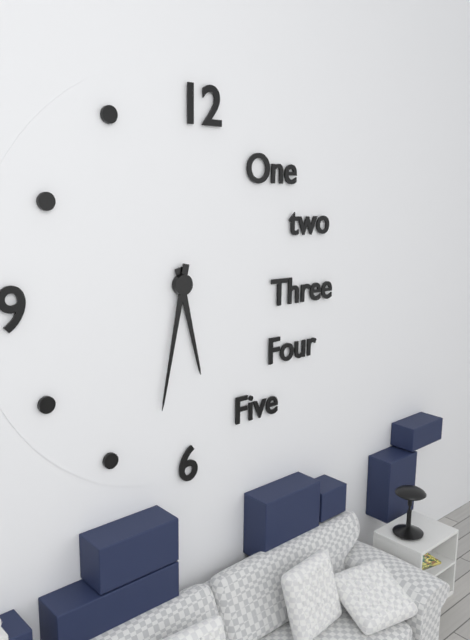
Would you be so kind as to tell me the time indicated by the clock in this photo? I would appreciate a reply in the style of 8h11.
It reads 5h32
